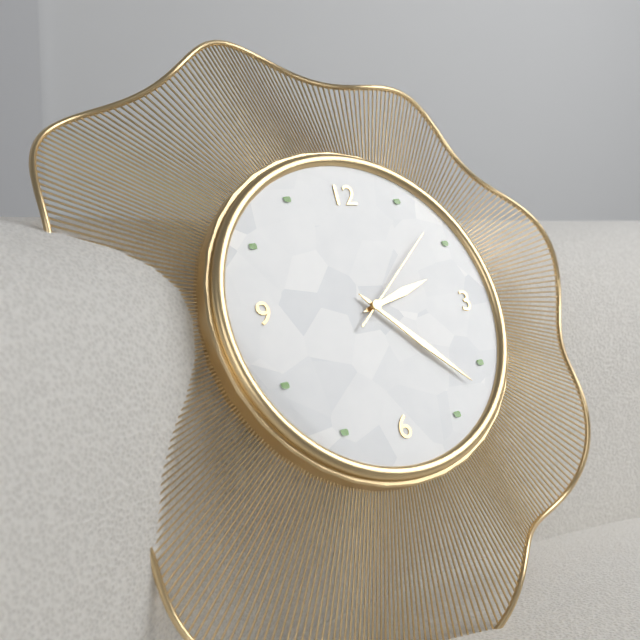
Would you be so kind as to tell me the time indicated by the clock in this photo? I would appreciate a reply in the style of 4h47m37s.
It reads 2h22m08s
